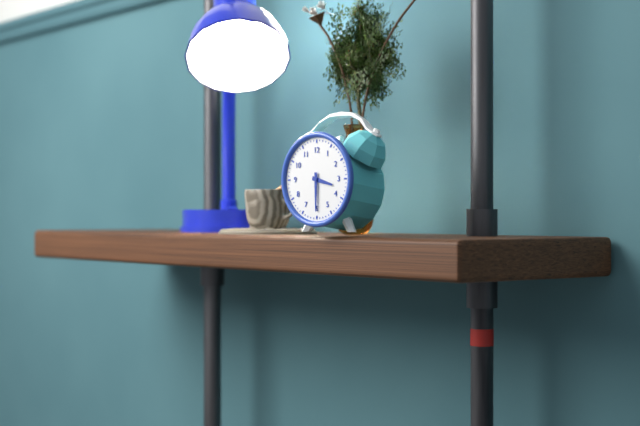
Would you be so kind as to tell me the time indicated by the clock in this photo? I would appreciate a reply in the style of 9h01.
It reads 3h30
